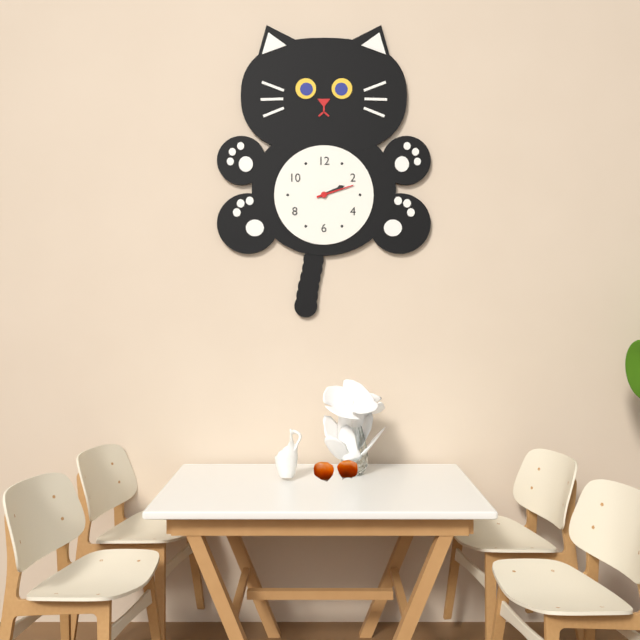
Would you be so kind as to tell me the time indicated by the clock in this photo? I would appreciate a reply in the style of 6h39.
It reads 2h12
